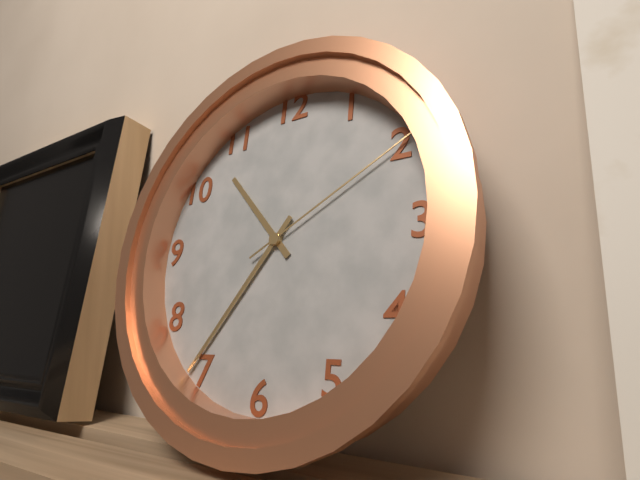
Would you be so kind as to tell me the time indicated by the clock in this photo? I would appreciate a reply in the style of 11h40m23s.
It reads 10h36m10s
